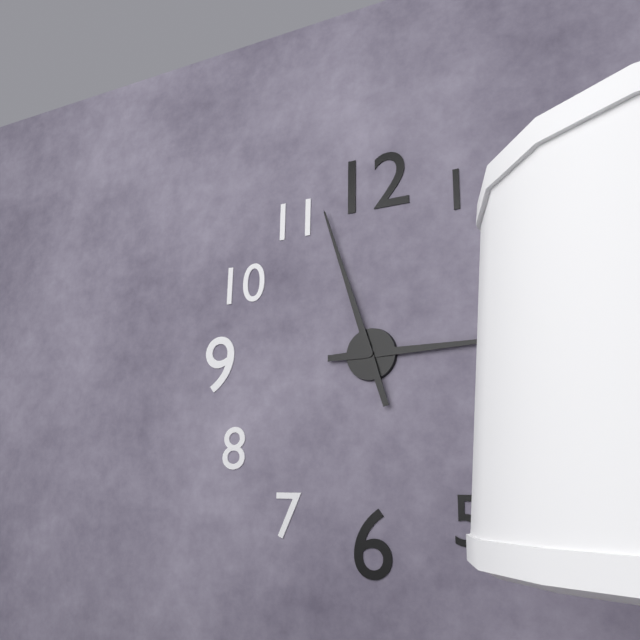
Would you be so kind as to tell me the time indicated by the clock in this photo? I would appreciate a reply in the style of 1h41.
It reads 2h57
